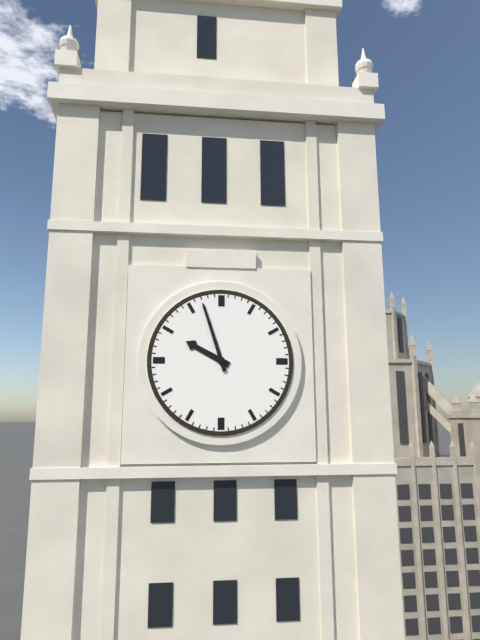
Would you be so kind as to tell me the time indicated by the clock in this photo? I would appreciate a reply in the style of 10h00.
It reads 9h57
